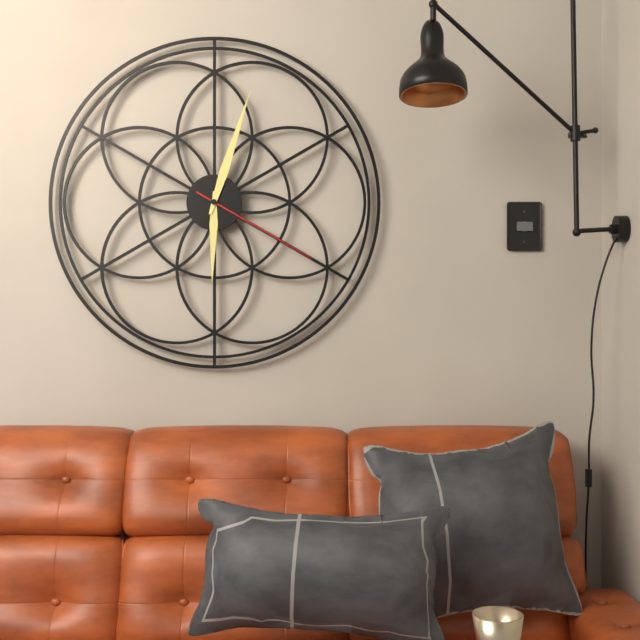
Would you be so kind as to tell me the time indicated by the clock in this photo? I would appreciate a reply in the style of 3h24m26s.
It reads 6h03m20s
